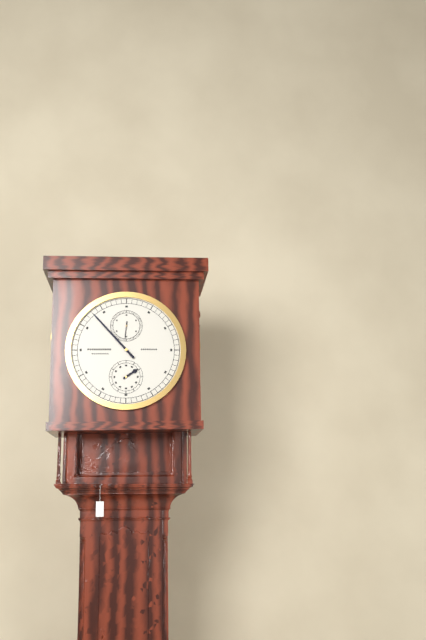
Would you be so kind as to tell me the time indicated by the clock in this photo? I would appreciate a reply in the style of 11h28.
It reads 1h53
